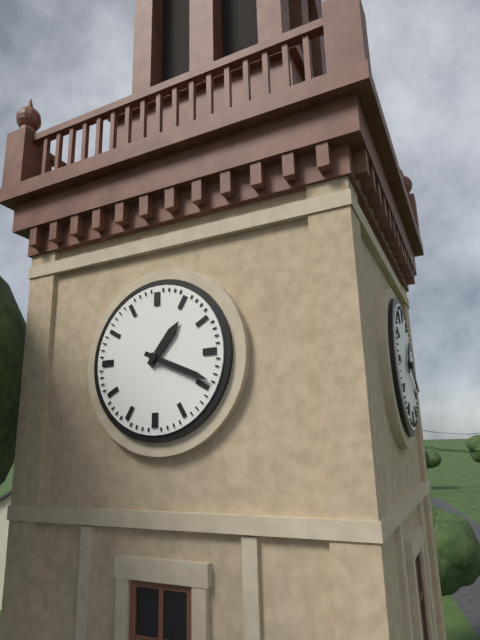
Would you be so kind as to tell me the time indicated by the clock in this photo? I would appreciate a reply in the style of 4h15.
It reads 1h19
